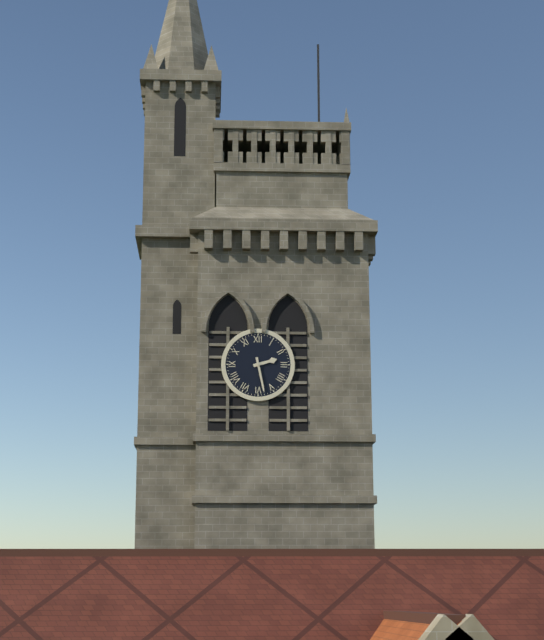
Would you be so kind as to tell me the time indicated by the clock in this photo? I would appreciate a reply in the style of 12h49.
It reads 2h28
